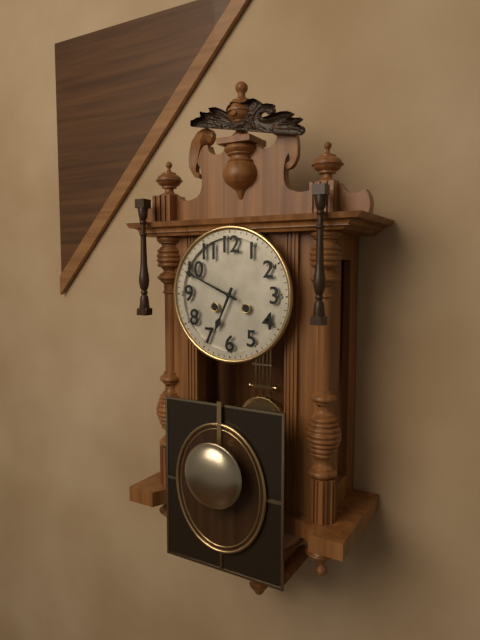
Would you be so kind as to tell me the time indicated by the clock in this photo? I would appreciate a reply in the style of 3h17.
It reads 6h49
